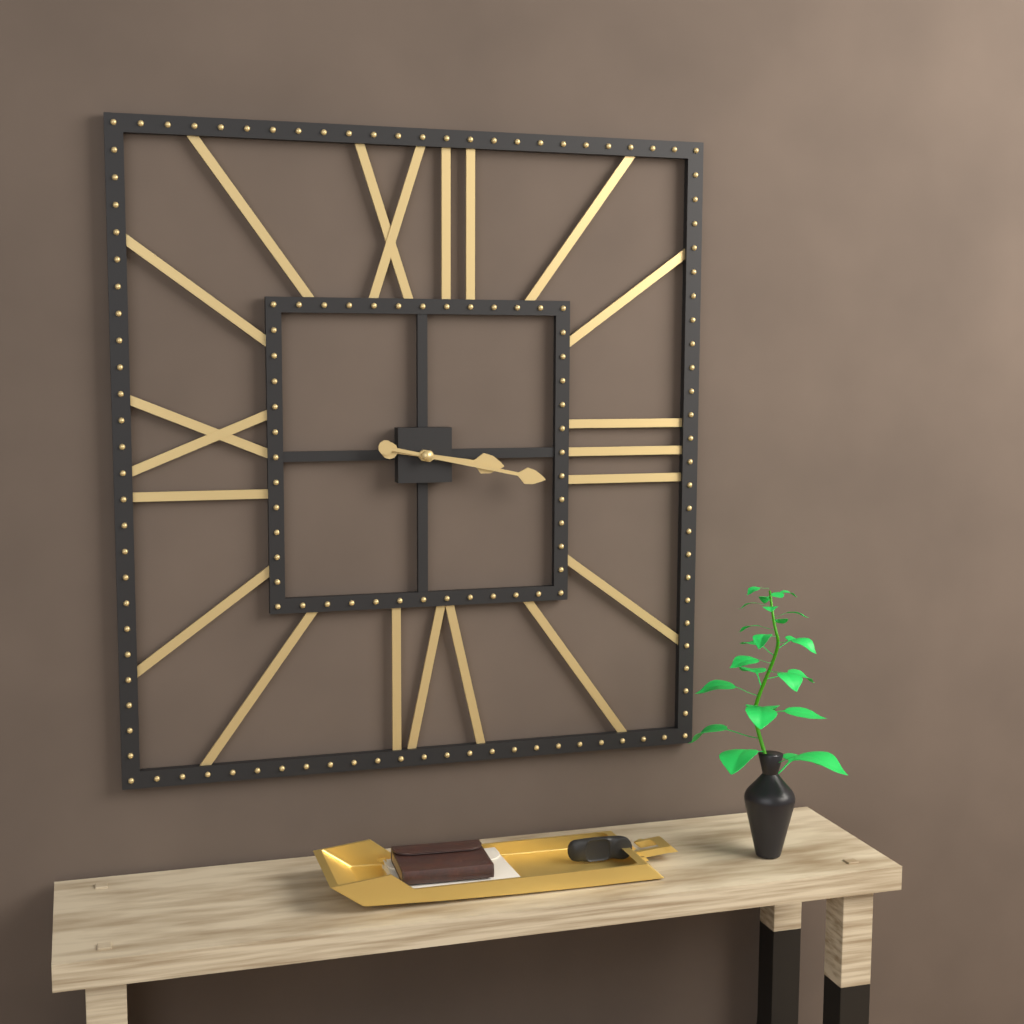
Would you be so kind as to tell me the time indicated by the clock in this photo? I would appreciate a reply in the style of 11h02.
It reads 3h17
